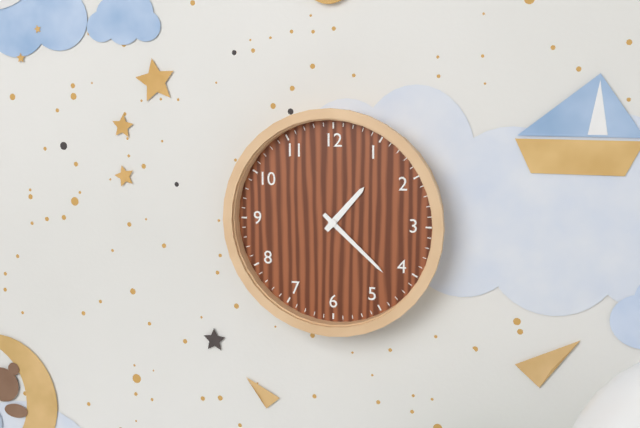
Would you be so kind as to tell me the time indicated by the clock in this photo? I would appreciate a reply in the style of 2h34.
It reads 1h22
